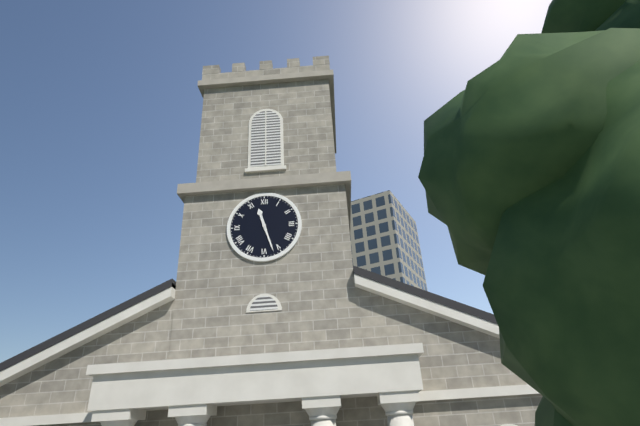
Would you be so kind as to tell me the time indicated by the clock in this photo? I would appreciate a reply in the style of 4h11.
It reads 11h27
